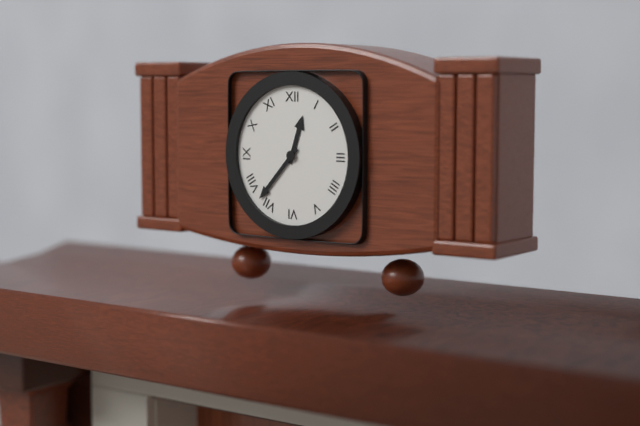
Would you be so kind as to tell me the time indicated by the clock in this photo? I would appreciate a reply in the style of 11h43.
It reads 12h37
